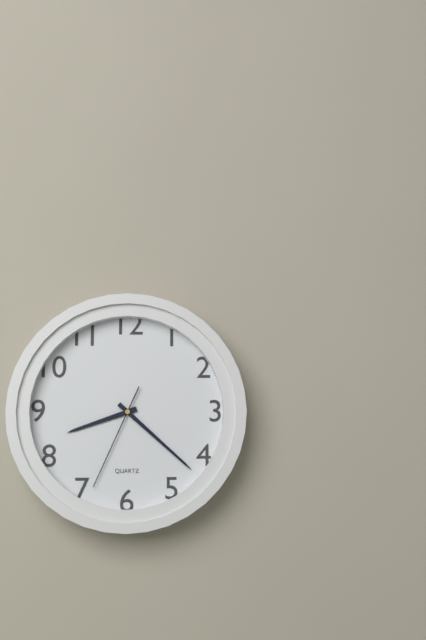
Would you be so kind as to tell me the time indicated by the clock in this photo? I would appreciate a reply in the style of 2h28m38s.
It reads 8h22m34s
